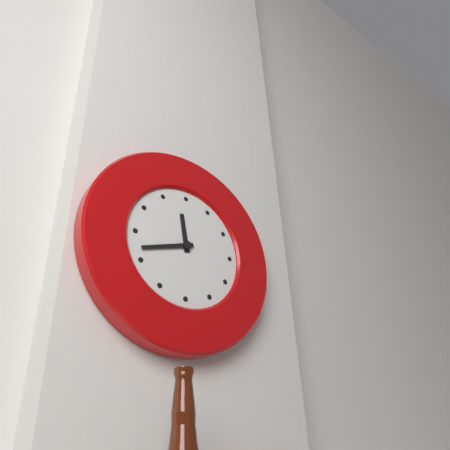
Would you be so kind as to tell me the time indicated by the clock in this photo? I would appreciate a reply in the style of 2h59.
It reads 11h42
